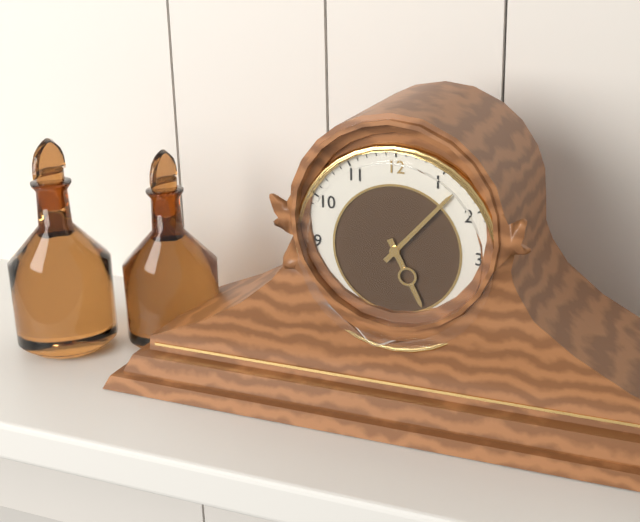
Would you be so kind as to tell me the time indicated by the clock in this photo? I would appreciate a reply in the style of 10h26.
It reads 5h07
